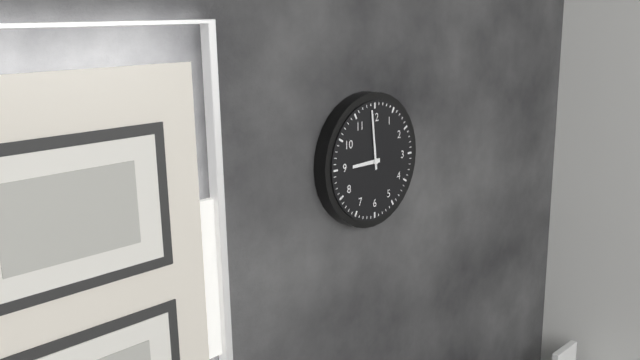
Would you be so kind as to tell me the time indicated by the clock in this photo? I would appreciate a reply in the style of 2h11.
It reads 8h59
